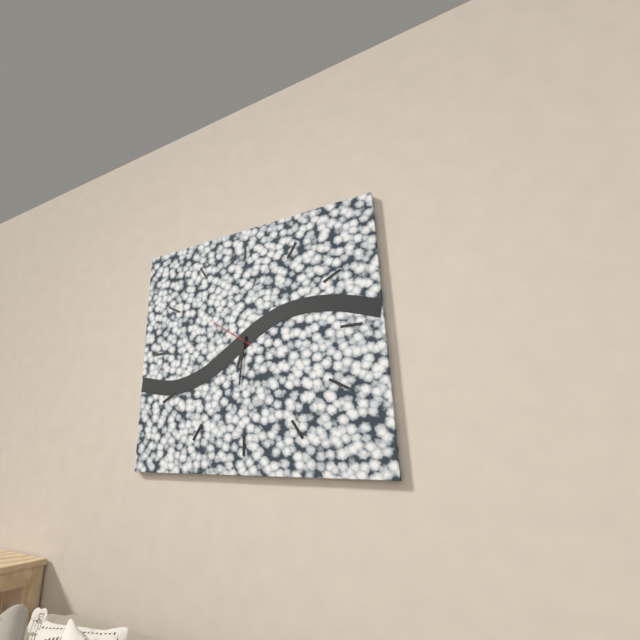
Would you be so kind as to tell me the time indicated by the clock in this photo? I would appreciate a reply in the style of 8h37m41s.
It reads 6h31m51s
